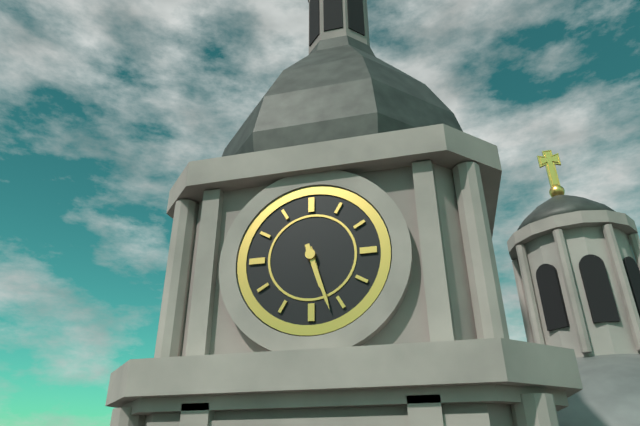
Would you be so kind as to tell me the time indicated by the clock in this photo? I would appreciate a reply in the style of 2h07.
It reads 5h27
